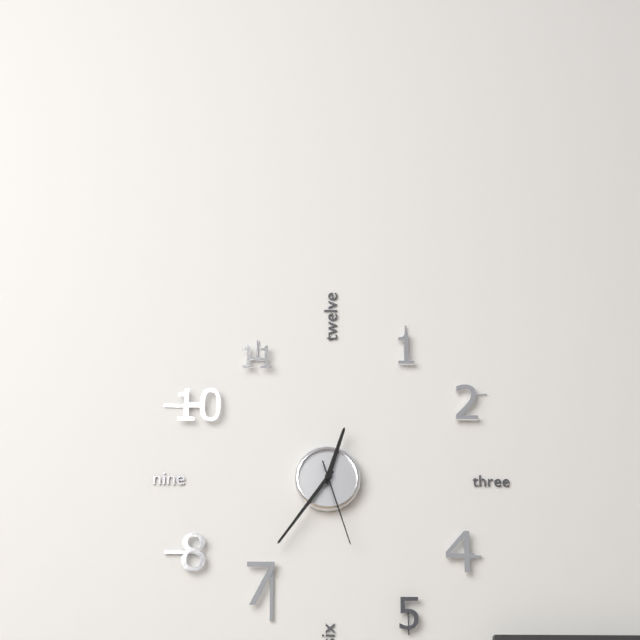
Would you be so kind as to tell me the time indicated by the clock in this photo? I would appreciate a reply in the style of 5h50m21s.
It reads 12h36m27s
